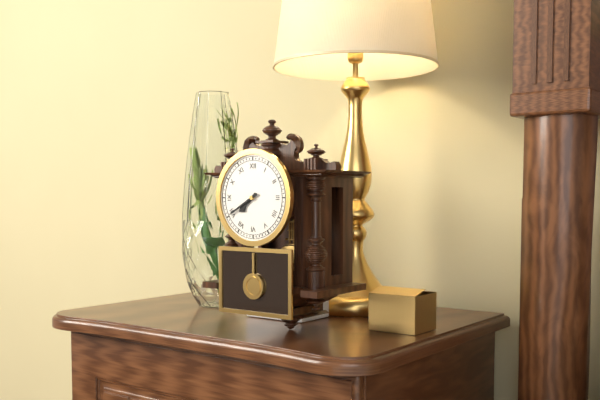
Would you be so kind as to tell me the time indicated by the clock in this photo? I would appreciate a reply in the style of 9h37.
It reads 7h40
